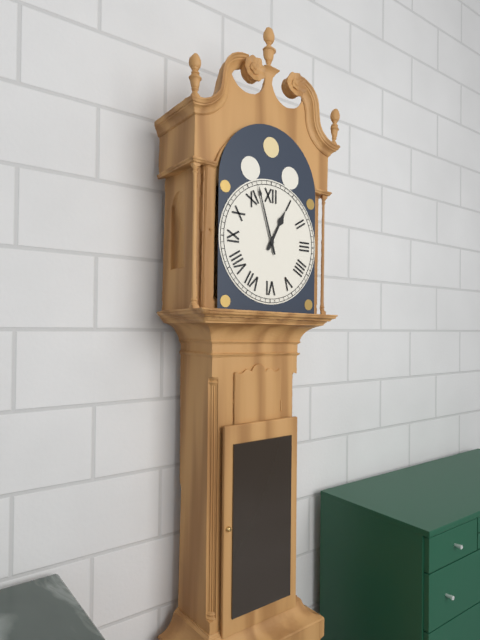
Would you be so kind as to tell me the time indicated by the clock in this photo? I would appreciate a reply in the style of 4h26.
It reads 12h57
